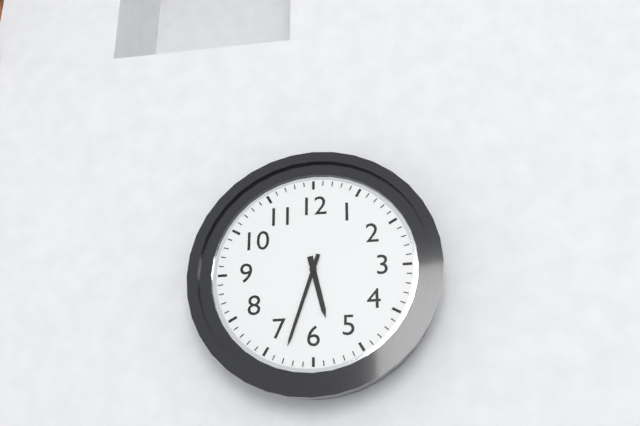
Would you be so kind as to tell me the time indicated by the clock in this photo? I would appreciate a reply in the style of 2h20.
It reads 5h33
